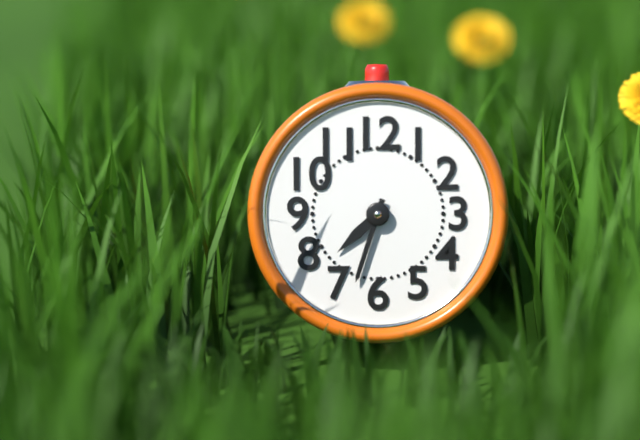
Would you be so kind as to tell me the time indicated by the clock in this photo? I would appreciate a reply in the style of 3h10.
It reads 7h33
